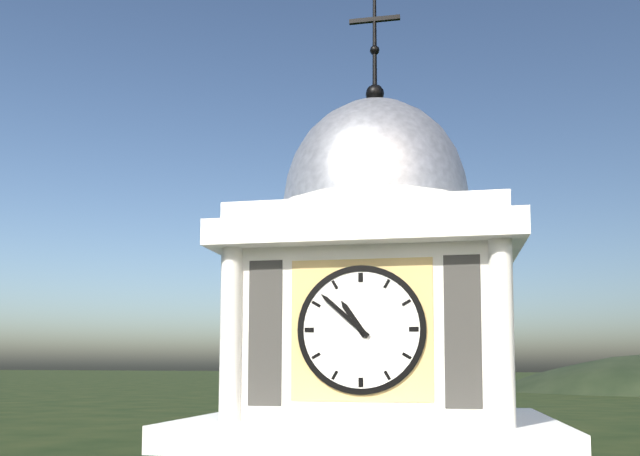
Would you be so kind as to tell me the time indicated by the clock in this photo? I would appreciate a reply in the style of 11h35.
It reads 10h52
